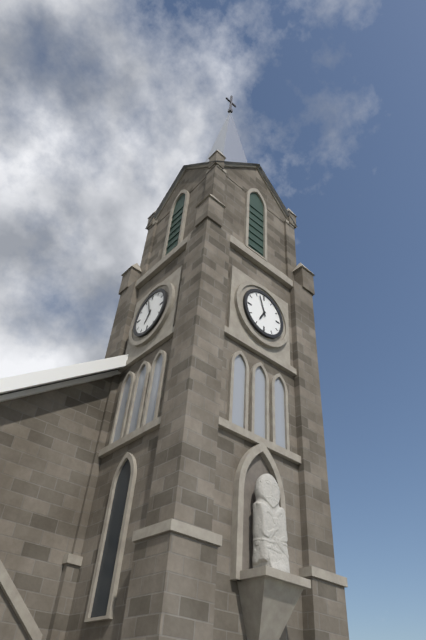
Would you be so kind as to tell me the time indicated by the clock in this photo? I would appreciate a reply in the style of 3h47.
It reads 6h57
